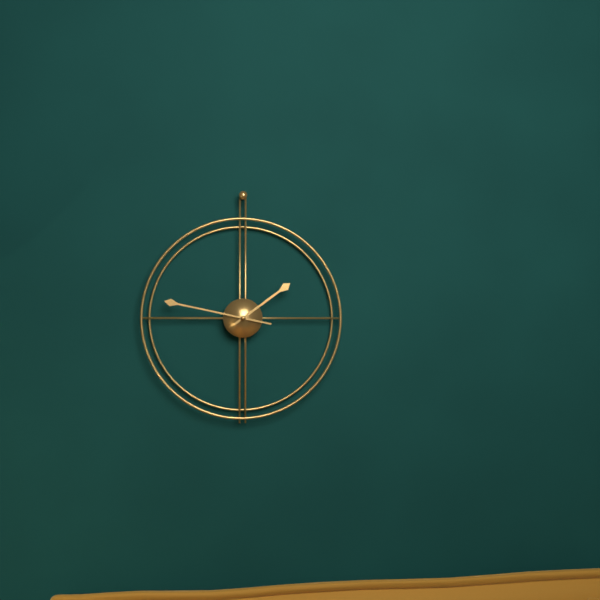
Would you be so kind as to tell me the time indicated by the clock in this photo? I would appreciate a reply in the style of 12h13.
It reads 1h47
